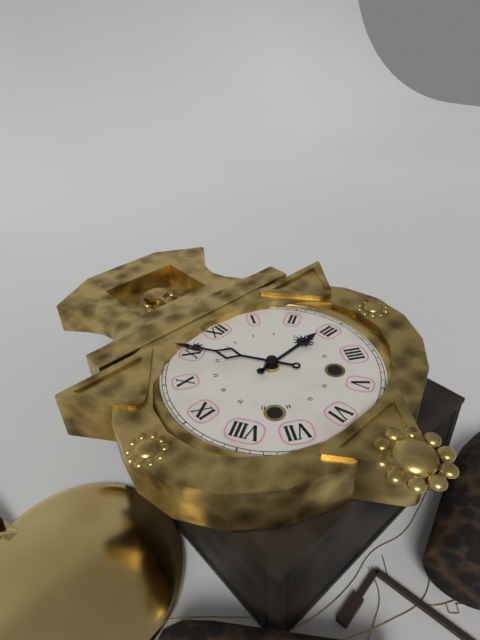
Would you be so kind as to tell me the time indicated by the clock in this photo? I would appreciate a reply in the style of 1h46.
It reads 2h55
